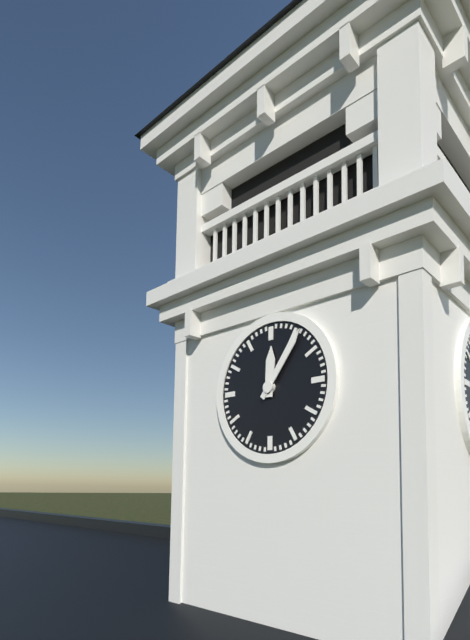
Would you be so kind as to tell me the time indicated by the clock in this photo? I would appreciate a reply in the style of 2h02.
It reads 12h06
